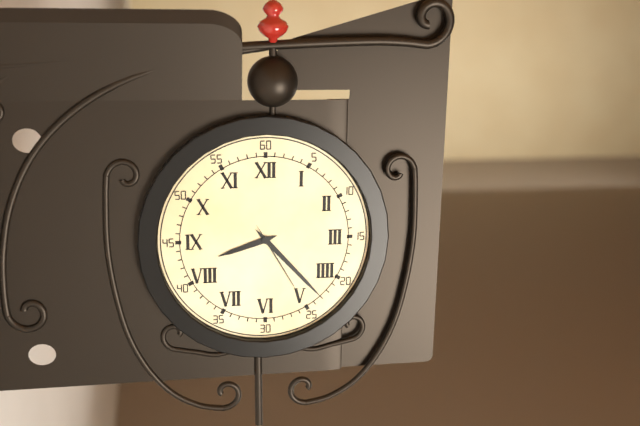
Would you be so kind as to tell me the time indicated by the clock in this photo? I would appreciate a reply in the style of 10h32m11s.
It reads 8h23m25s
